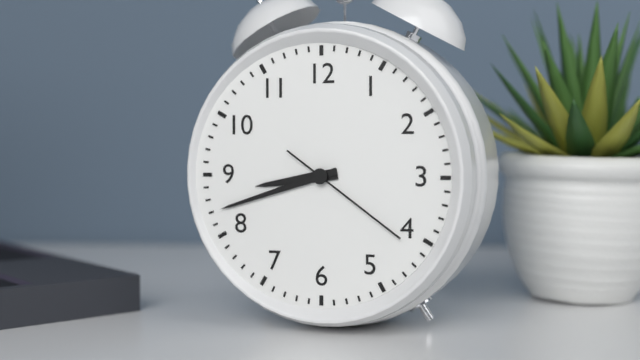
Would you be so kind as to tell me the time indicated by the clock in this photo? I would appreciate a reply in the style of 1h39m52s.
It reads 8h42m21s
